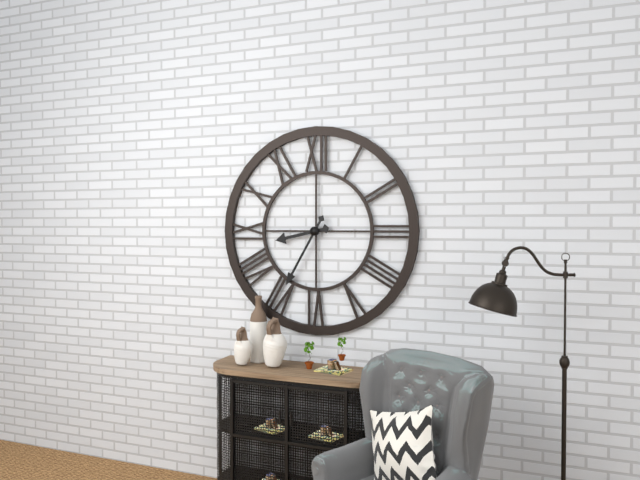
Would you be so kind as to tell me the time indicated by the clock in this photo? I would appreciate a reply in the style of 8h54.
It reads 8h35
